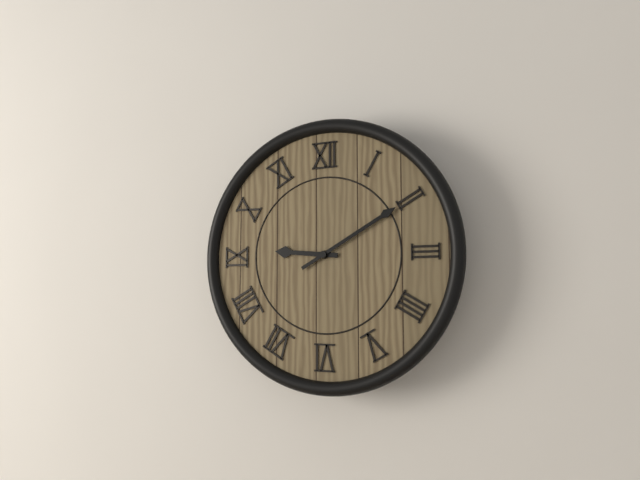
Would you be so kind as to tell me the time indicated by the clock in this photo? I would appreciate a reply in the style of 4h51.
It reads 9h10
